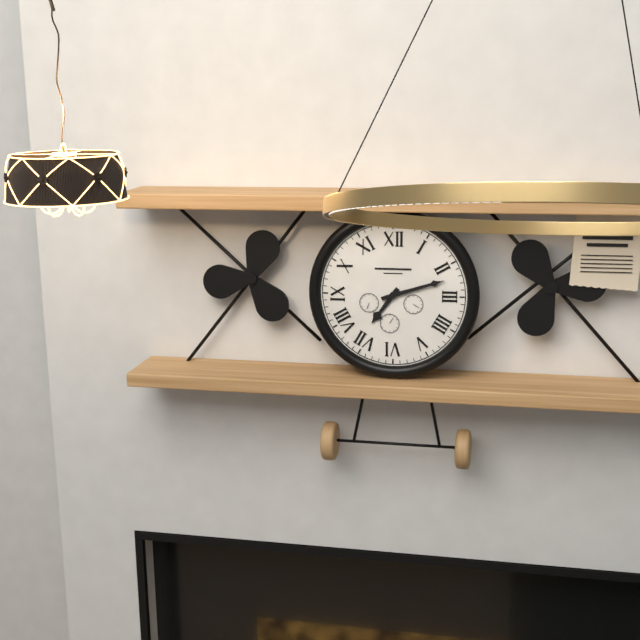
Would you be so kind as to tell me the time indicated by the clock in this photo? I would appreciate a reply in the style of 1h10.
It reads 7h12
